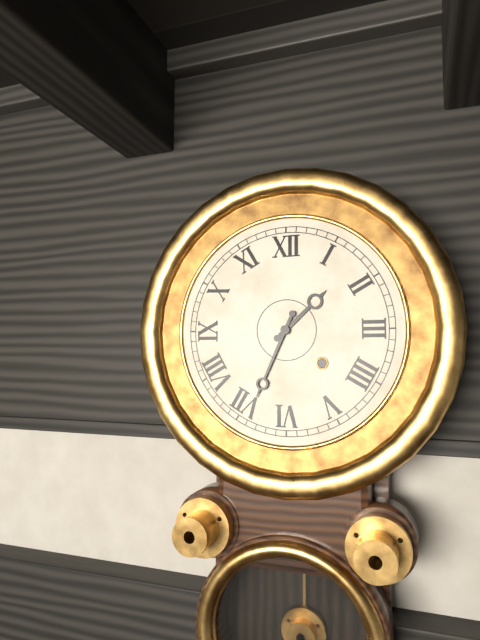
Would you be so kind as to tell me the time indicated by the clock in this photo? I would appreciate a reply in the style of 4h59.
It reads 1h34
